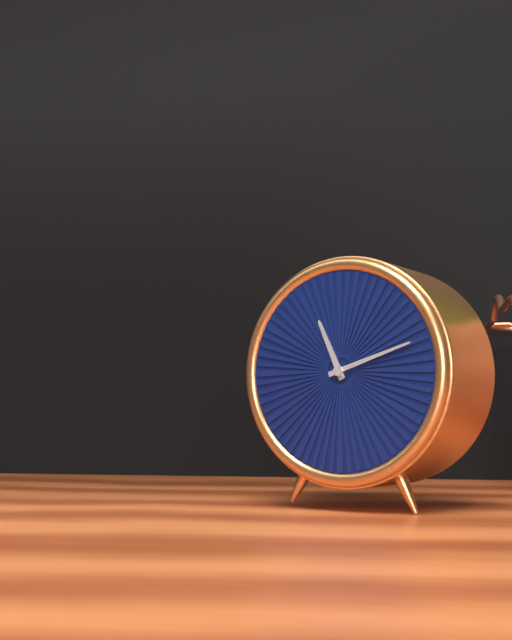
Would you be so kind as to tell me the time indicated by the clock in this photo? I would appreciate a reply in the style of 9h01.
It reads 11h12
